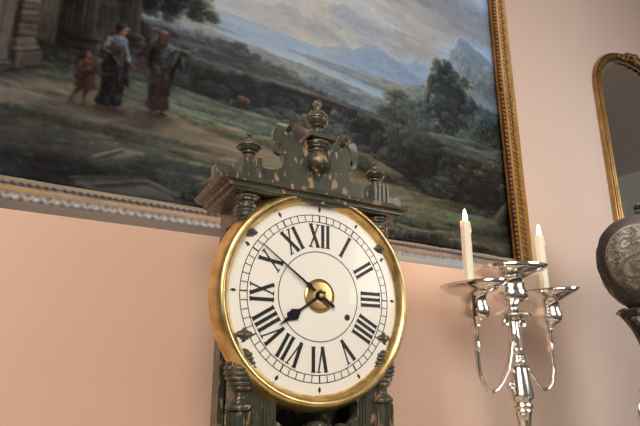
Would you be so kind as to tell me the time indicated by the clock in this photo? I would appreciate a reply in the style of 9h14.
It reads 7h51
